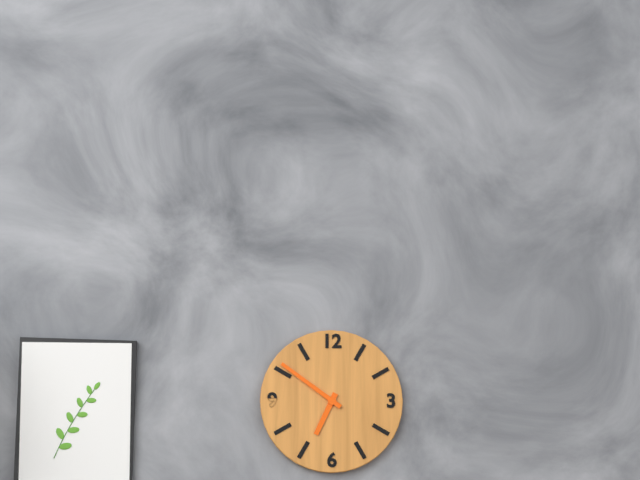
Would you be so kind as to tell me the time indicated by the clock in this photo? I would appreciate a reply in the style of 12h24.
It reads 6h51
